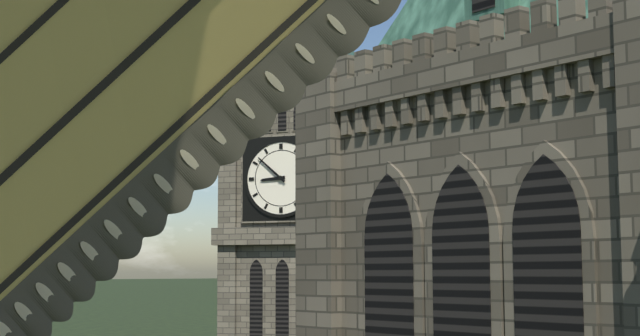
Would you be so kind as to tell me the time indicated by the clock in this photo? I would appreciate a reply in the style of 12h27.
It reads 8h52
